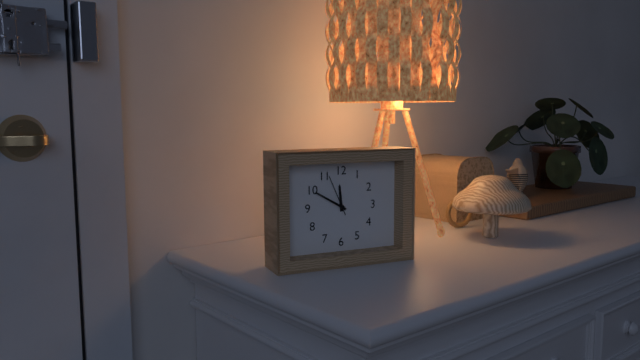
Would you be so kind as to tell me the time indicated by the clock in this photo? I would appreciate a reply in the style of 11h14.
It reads 11h50
